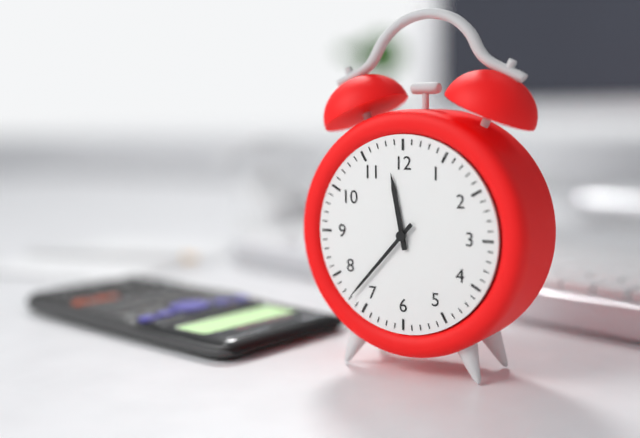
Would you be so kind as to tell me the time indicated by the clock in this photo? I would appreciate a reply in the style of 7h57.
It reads 11h37
